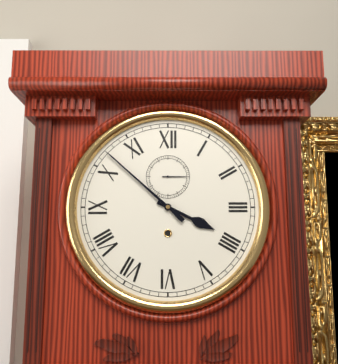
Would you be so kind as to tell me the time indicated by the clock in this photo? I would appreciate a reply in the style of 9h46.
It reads 3h52
